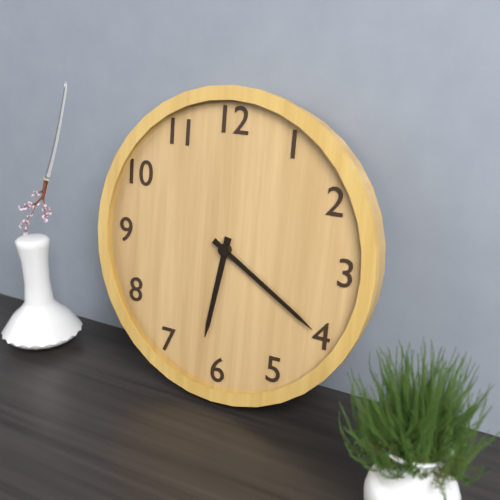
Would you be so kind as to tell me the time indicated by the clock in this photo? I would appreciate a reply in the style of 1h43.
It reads 6h20
